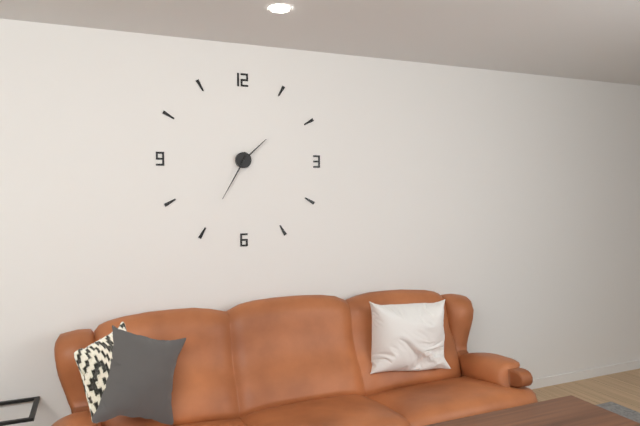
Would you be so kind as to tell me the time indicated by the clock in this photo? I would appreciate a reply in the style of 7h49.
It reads 1h35
